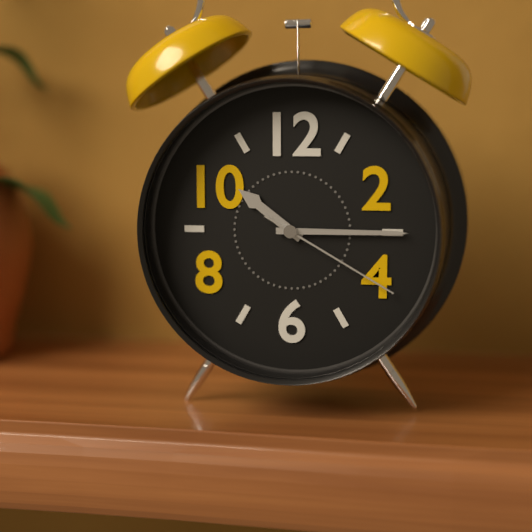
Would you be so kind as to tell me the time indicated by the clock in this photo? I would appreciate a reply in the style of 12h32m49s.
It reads 10h15m20s
